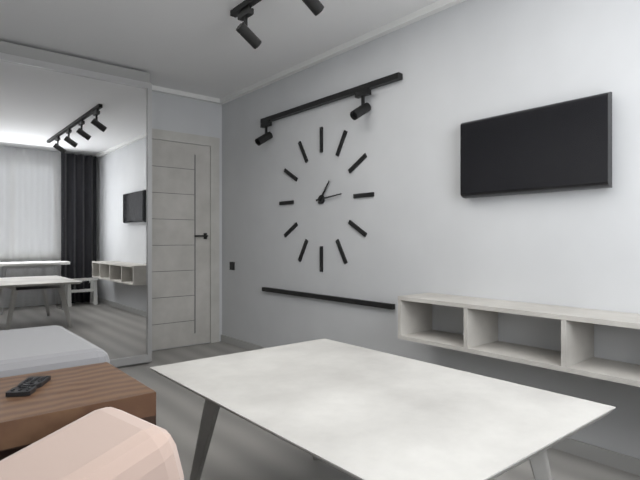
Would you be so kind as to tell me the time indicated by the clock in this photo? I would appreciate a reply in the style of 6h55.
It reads 1h14
